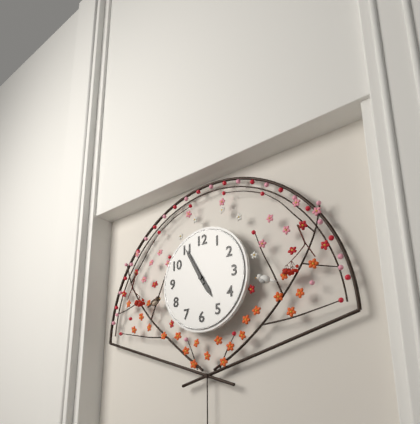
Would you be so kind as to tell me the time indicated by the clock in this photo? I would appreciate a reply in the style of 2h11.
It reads 4h55
